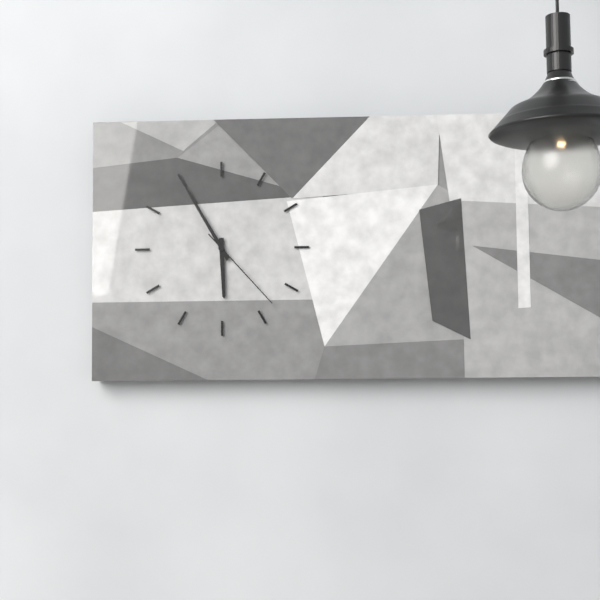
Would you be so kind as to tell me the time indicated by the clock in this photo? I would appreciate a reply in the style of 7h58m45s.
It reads 5h55m23s
